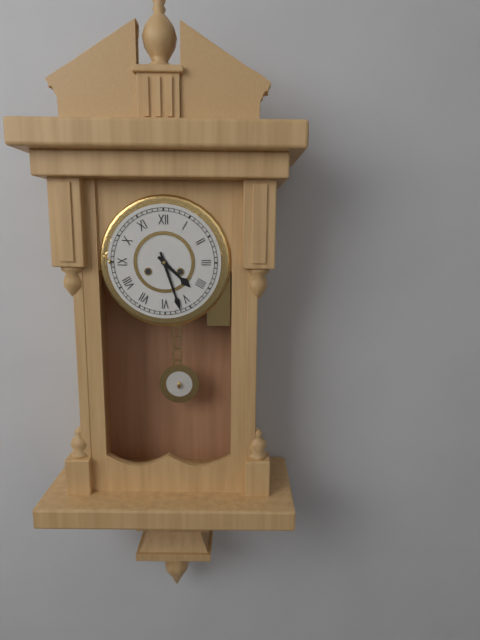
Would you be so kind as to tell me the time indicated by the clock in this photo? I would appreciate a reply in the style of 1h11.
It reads 4h27
